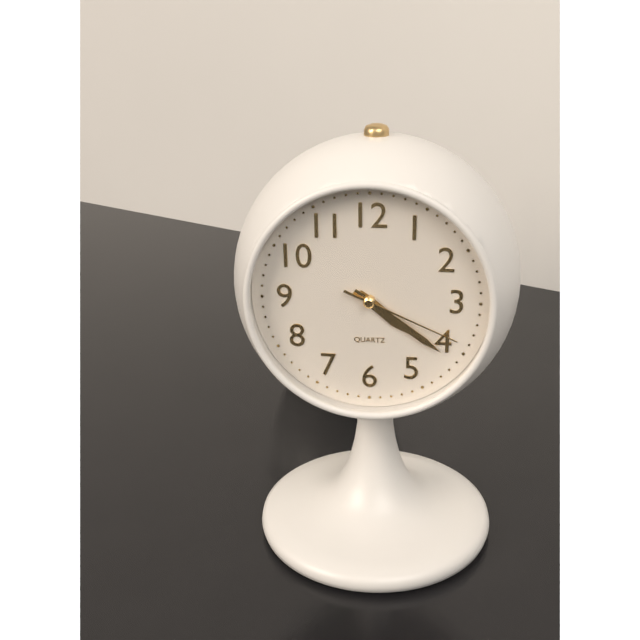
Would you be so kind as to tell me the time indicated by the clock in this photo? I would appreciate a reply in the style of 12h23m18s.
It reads 4h21m19s
